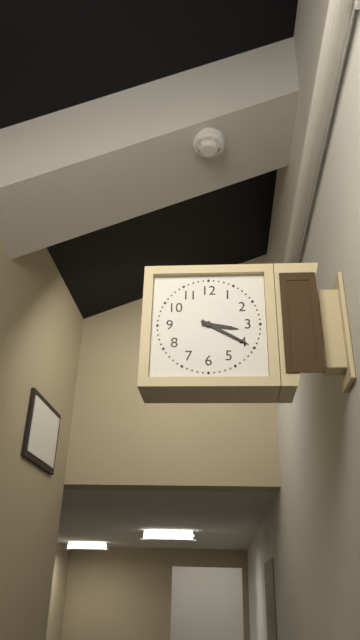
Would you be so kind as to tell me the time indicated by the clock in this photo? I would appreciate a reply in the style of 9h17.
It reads 3h20
